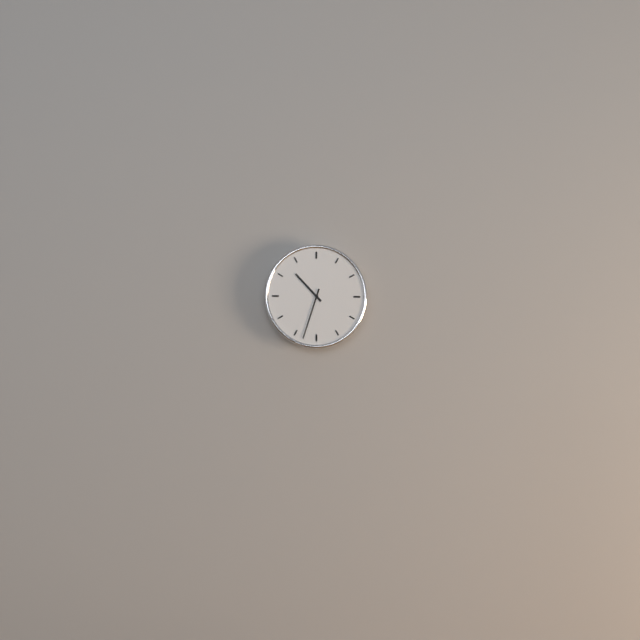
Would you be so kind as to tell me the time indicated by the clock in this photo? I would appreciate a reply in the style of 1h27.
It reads 10h33
